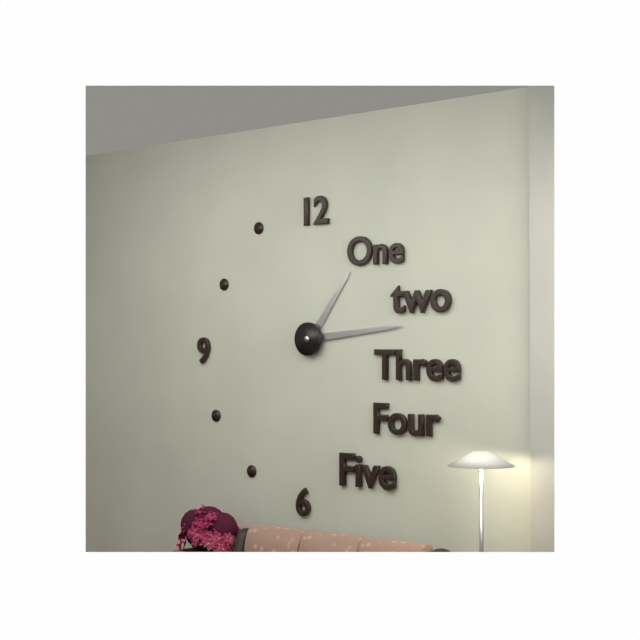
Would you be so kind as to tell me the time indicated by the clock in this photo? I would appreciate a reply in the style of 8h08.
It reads 1h14
